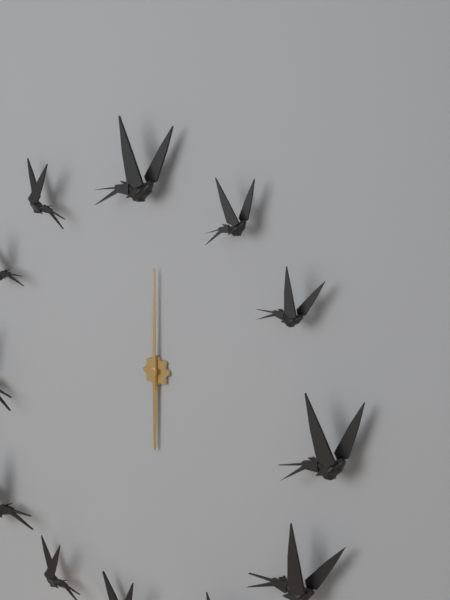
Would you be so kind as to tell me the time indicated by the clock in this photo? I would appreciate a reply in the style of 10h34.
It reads 6h00
